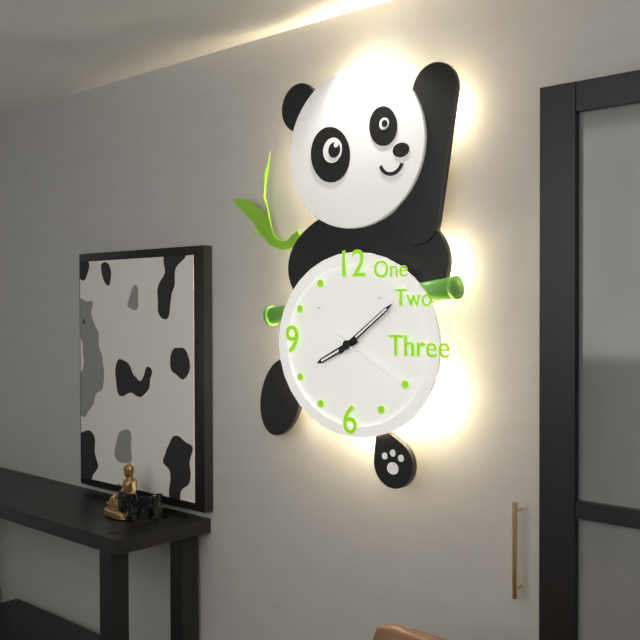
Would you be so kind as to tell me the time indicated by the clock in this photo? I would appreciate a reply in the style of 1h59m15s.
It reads 8h09m20s
